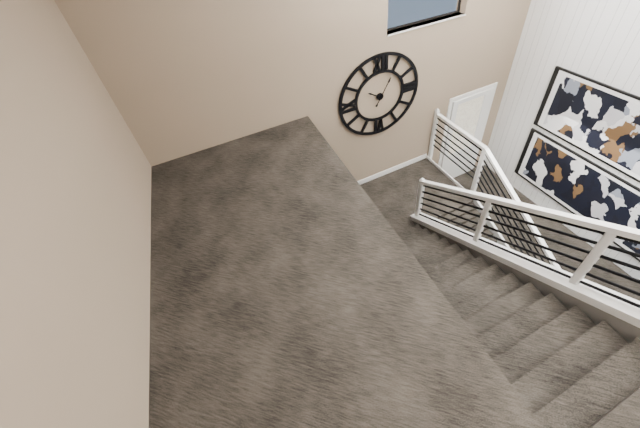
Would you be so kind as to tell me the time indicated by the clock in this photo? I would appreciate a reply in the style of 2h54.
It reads 10h05
